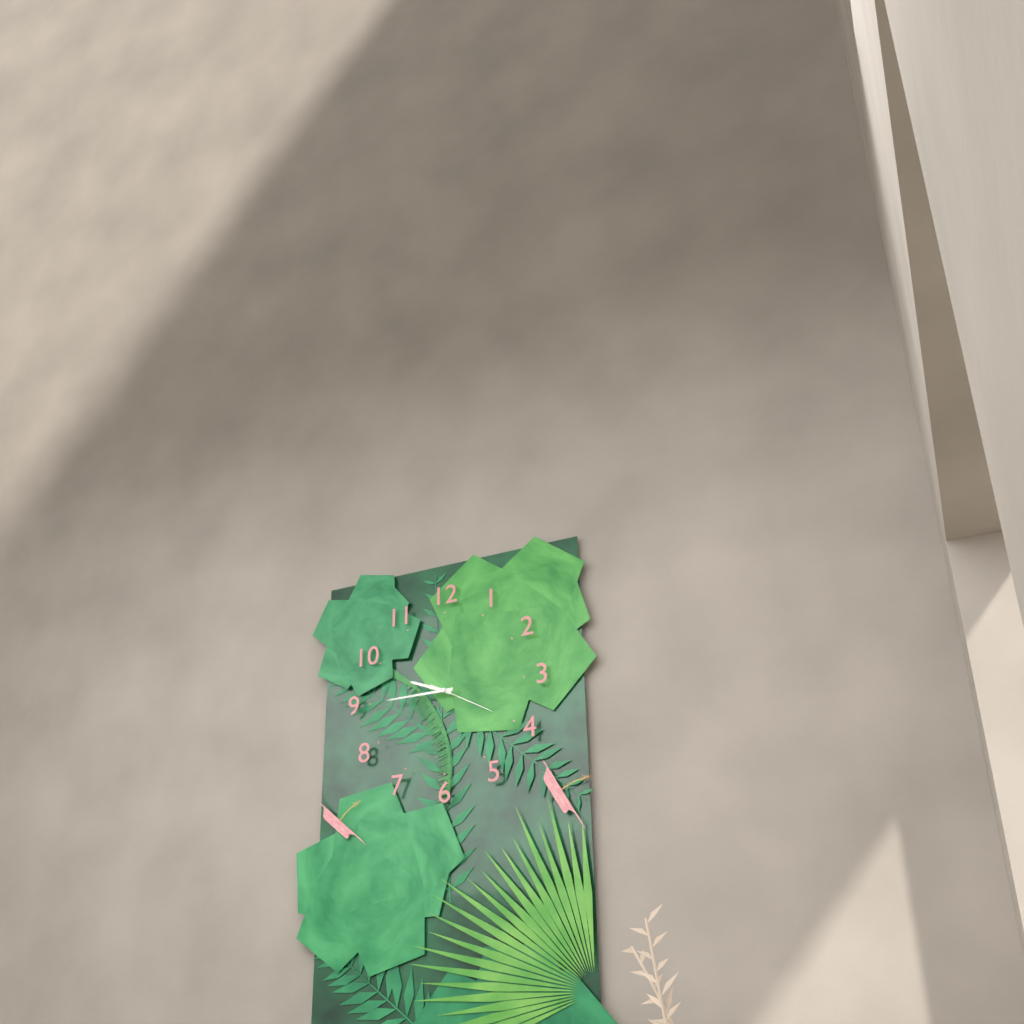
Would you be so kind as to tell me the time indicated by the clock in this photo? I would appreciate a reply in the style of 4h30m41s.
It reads 9h45m20s
